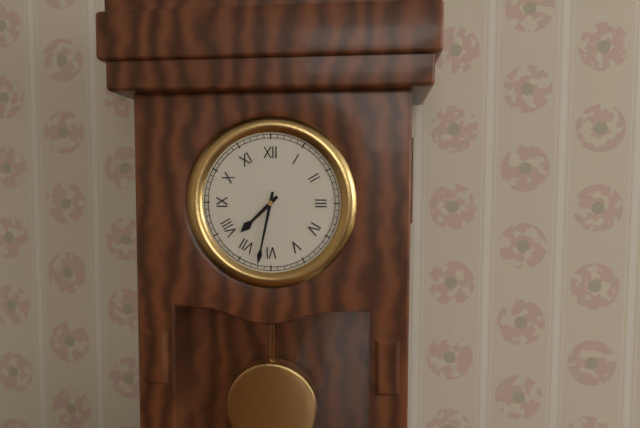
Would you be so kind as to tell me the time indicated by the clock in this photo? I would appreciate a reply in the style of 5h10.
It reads 7h32
